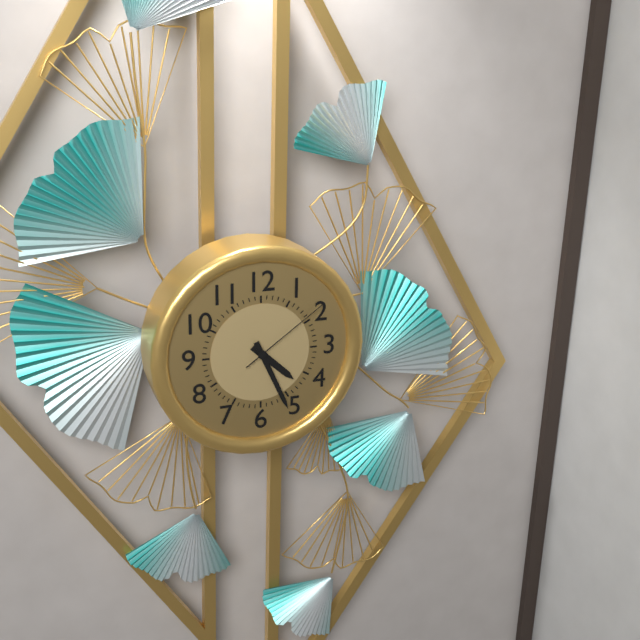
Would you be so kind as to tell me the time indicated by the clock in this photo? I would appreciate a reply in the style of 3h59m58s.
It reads 4h26m09s
